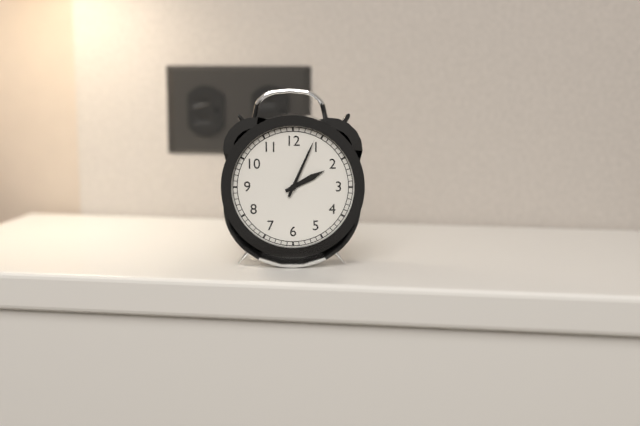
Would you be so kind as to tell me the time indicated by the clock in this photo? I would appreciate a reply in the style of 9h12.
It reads 2h04
